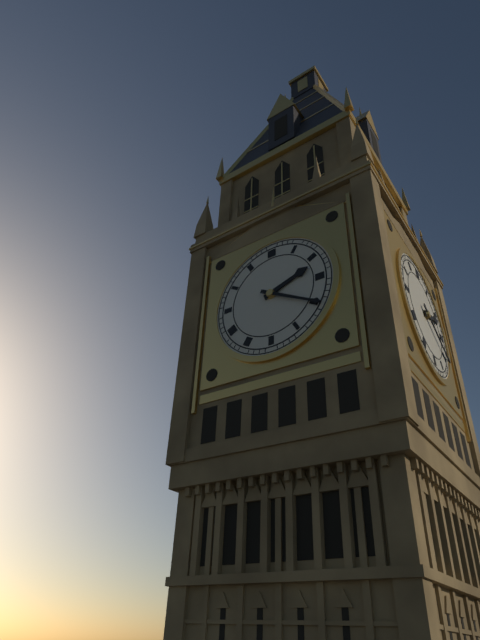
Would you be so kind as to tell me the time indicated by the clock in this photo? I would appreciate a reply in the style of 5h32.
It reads 2h20
